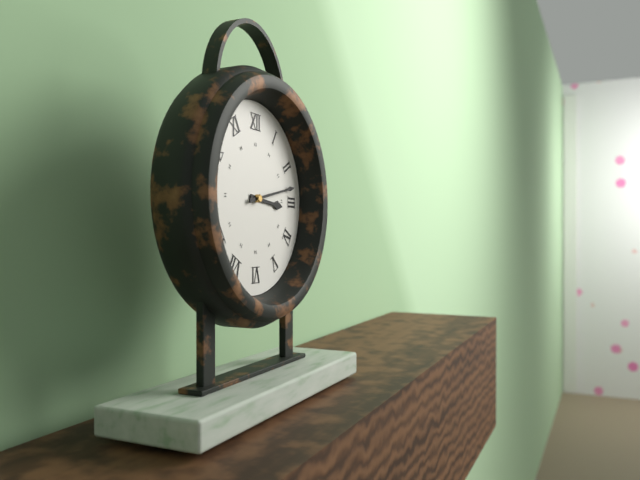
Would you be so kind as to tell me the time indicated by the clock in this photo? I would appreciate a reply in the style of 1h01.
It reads 3h13
